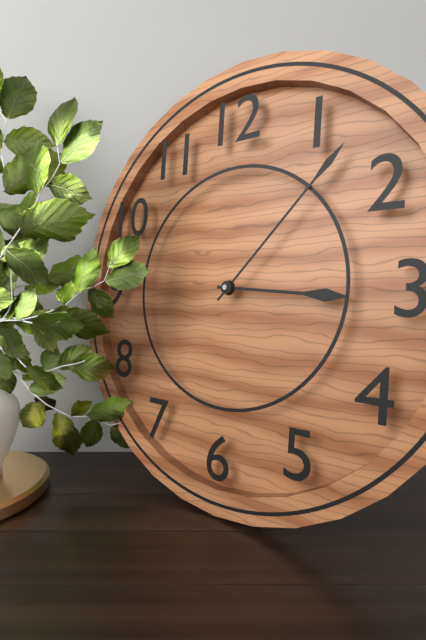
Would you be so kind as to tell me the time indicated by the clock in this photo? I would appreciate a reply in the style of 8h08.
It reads 3h07
